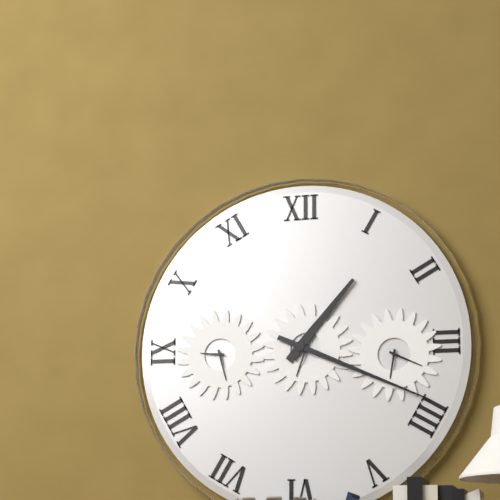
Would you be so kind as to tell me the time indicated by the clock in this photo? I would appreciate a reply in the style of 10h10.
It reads 1h19
